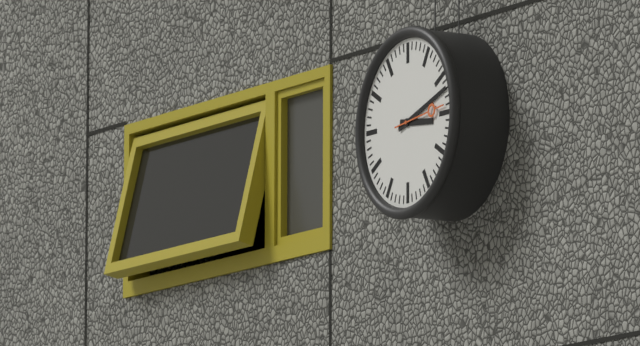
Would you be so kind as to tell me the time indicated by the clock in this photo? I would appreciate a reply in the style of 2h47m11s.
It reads 3h12m14s
